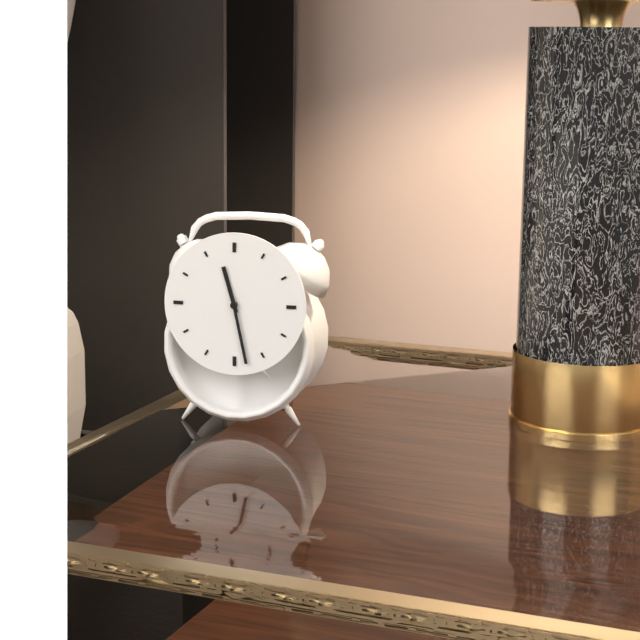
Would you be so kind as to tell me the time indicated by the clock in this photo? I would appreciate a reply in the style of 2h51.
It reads 11h28
